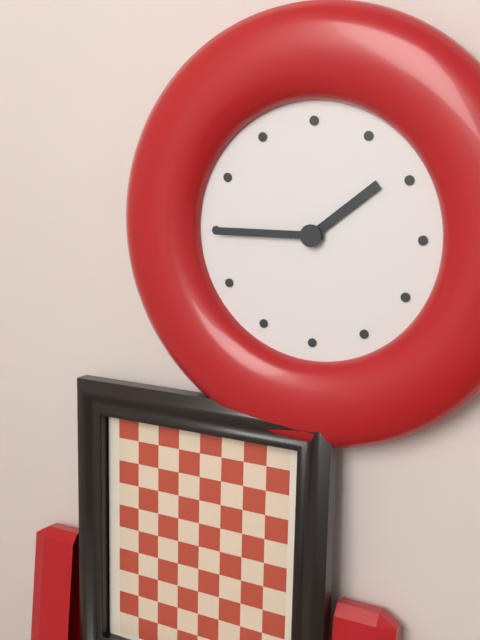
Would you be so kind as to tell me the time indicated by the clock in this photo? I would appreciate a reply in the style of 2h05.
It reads 1h45
